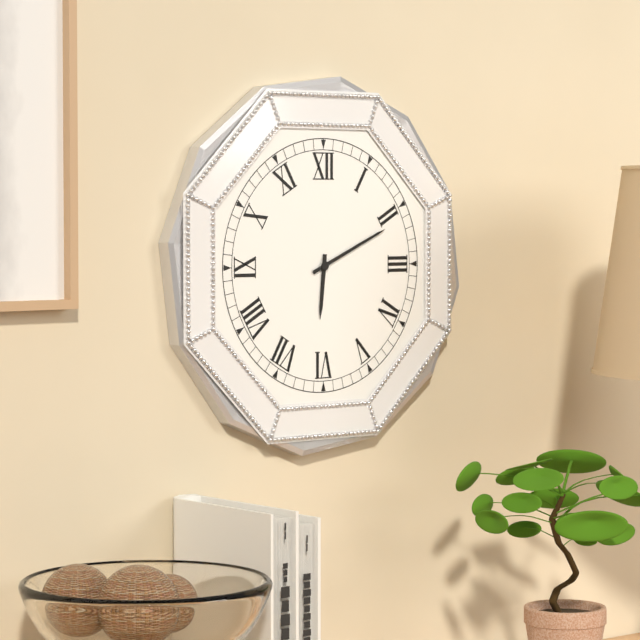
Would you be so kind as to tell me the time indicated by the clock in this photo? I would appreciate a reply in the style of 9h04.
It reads 6h11
